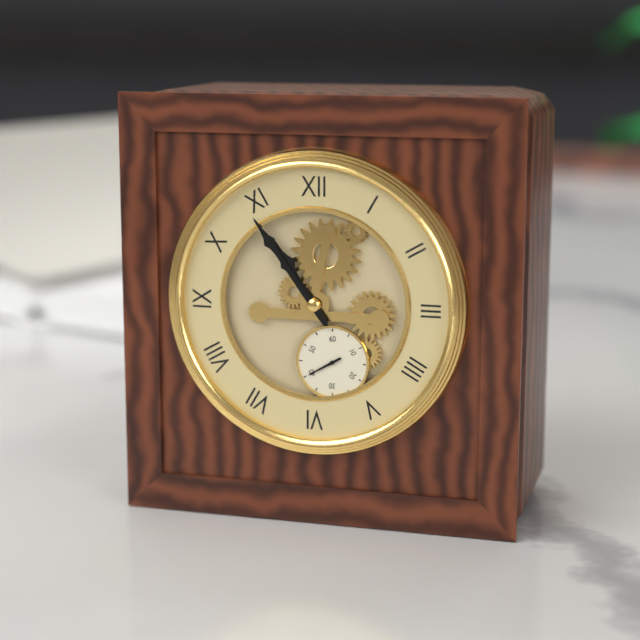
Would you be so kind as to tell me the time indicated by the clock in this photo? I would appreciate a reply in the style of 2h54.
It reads 10h54
